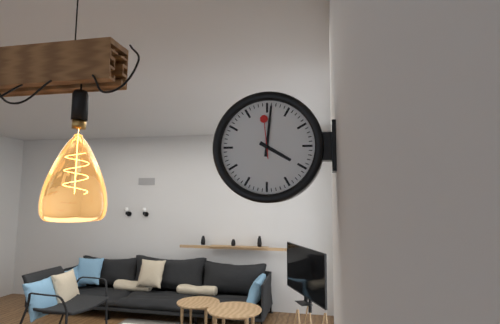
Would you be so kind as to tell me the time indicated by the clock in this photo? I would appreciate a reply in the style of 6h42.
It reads 4h01
